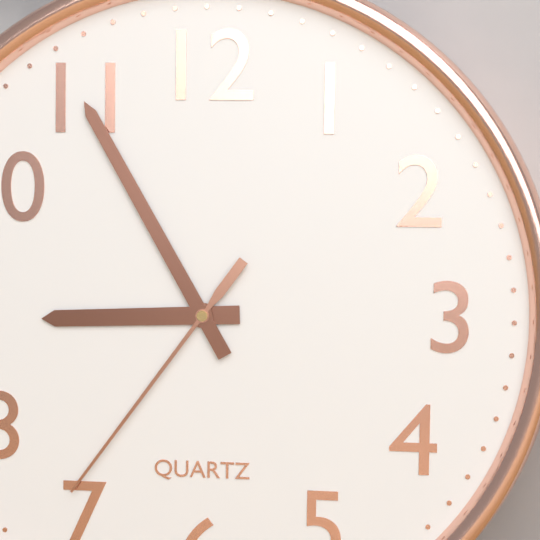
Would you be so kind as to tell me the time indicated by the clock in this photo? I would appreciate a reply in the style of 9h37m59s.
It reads 8h55m36s
